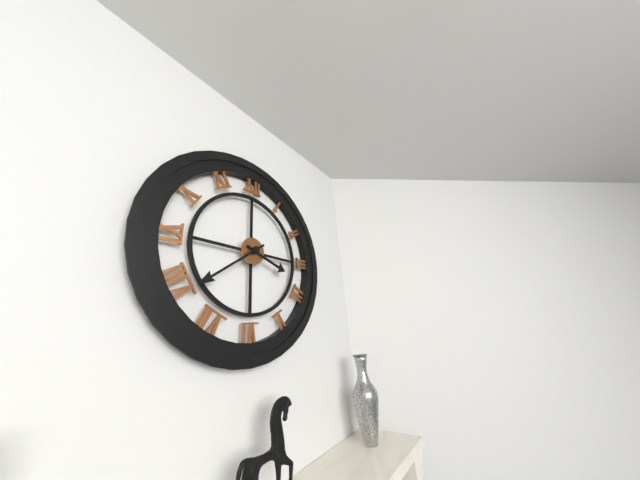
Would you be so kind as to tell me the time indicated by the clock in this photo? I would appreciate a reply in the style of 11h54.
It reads 3h39
